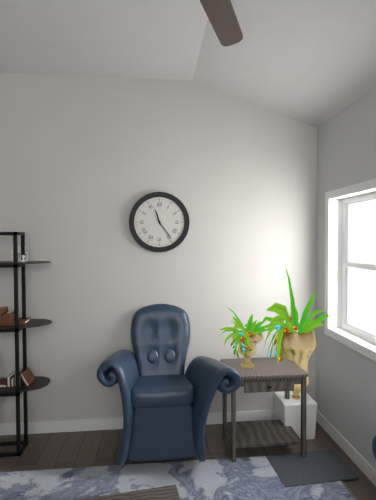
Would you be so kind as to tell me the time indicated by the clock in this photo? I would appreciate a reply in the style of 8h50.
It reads 11h24
